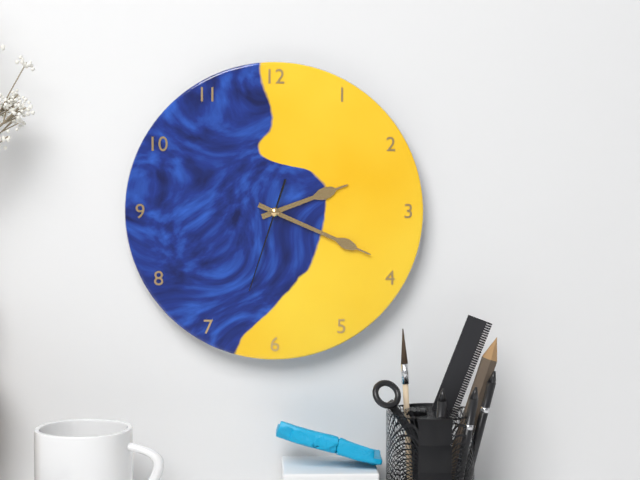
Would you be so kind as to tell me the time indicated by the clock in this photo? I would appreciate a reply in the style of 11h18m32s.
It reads 2h19m33s
